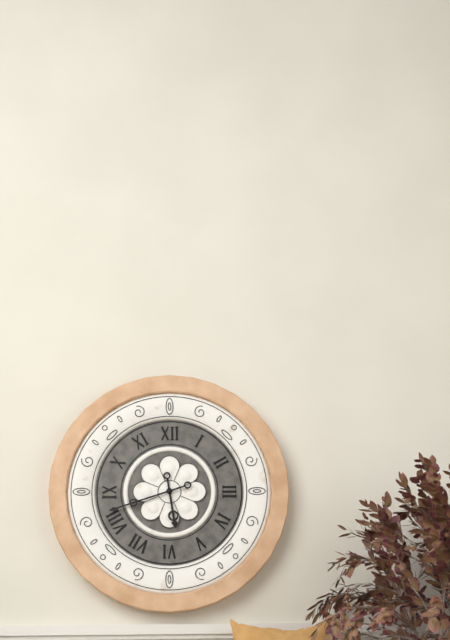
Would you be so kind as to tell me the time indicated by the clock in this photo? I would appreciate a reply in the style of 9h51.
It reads 5h42
